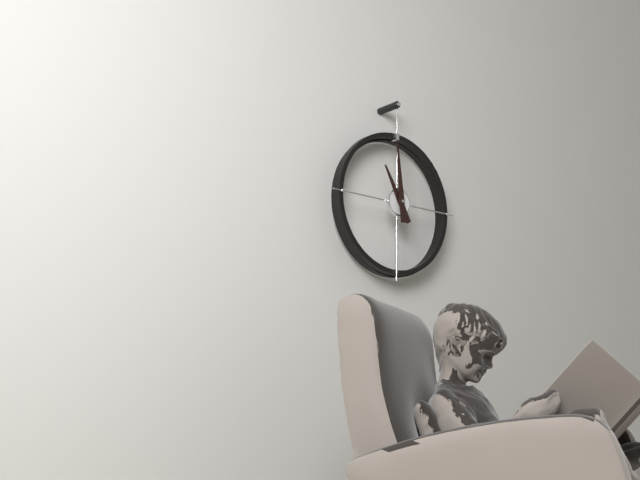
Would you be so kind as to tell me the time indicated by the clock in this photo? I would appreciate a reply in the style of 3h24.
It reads 10h59
